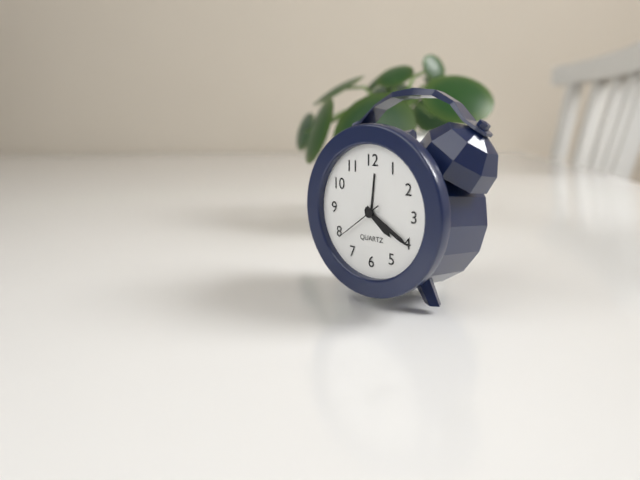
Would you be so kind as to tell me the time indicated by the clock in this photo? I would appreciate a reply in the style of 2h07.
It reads 4h20
